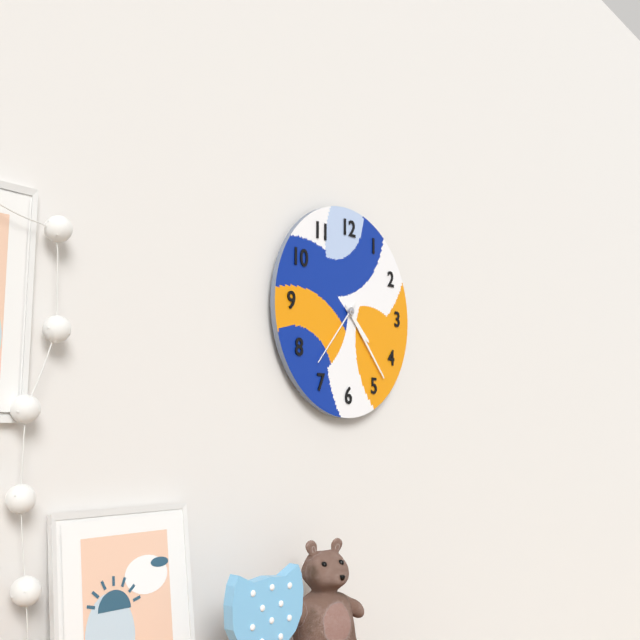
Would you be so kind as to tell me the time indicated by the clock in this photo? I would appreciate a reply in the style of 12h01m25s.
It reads 4h23m37s
